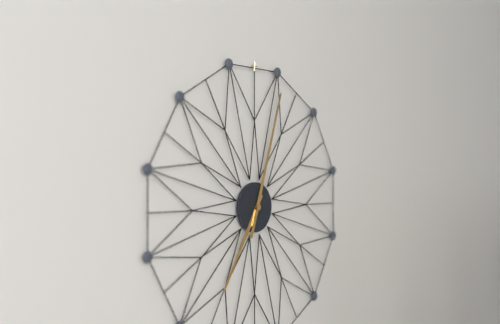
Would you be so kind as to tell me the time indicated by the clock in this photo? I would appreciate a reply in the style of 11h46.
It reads 7h03
